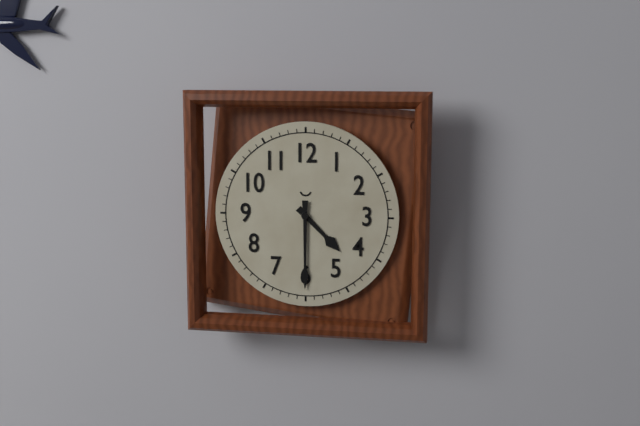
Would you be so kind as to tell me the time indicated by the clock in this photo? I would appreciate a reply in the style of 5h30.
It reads 4h30
